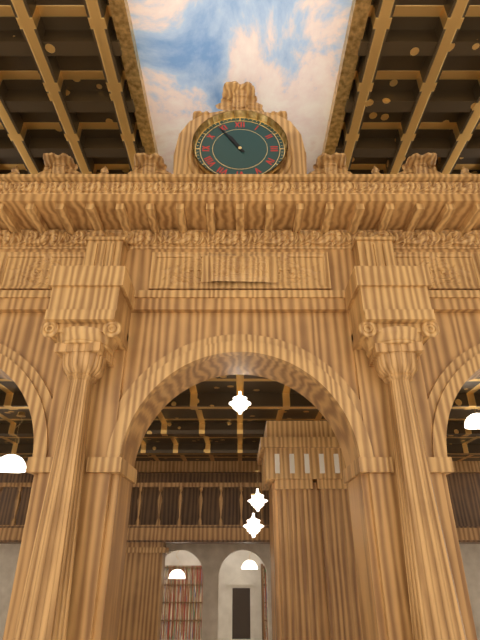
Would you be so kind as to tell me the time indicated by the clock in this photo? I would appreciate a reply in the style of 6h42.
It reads 10h54
